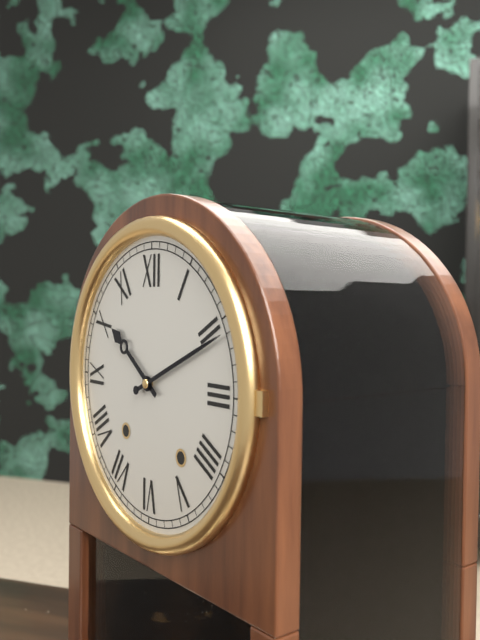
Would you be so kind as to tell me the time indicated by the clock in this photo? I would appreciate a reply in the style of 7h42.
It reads 10h11
